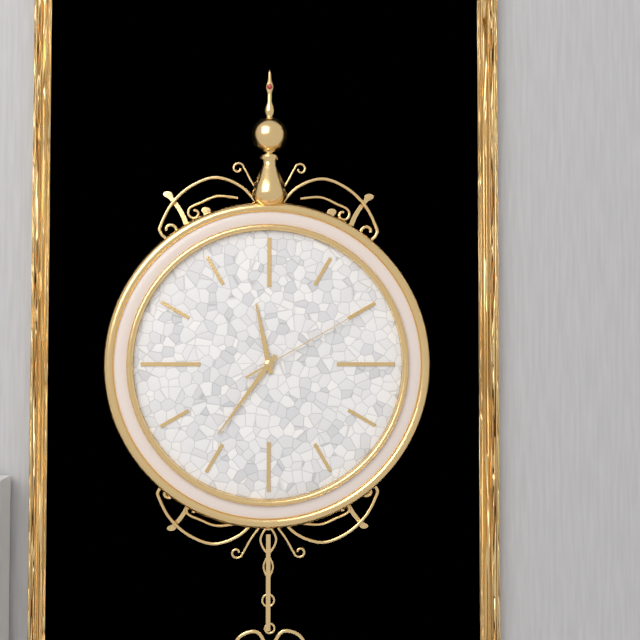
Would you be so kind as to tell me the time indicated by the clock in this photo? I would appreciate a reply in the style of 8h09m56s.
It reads 11h36m10s
